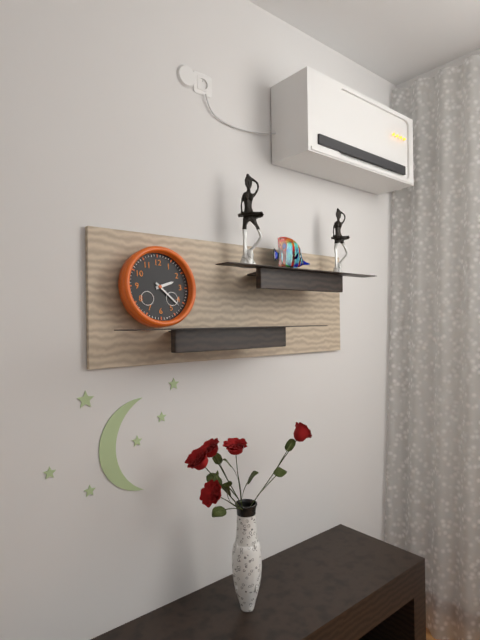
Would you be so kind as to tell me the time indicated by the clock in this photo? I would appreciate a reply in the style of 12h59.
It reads 2h22
